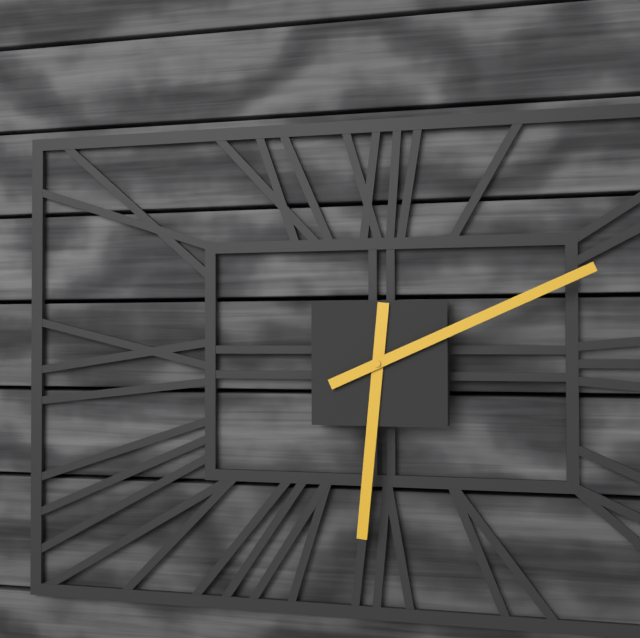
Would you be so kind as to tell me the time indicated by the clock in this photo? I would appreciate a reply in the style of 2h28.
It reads 6h11
